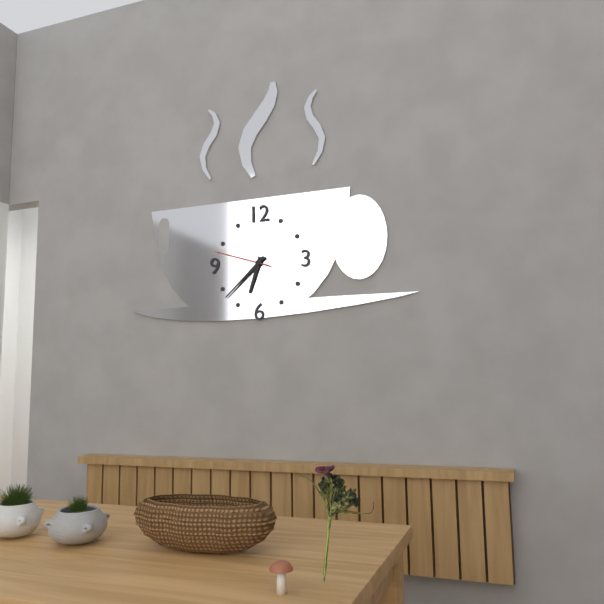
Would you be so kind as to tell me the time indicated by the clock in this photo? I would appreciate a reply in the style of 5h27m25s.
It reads 6h38m48s
